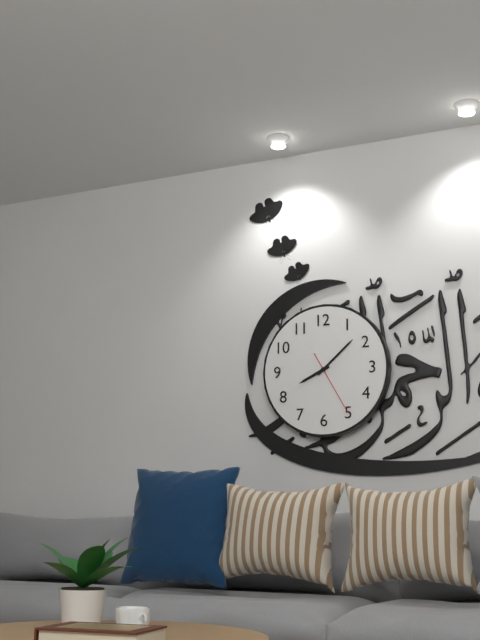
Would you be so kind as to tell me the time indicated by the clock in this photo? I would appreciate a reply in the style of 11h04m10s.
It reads 8h08m25s
